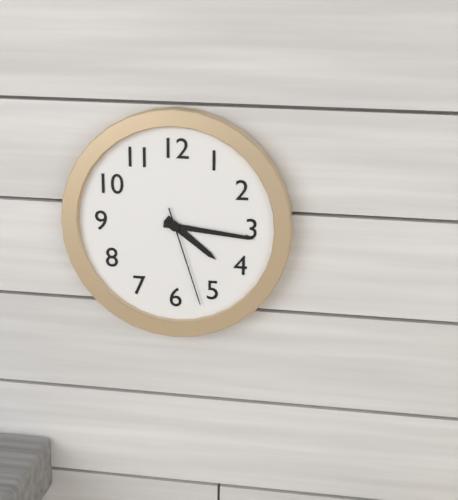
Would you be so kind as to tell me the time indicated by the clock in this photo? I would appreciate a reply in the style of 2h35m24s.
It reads 4h16m27s
